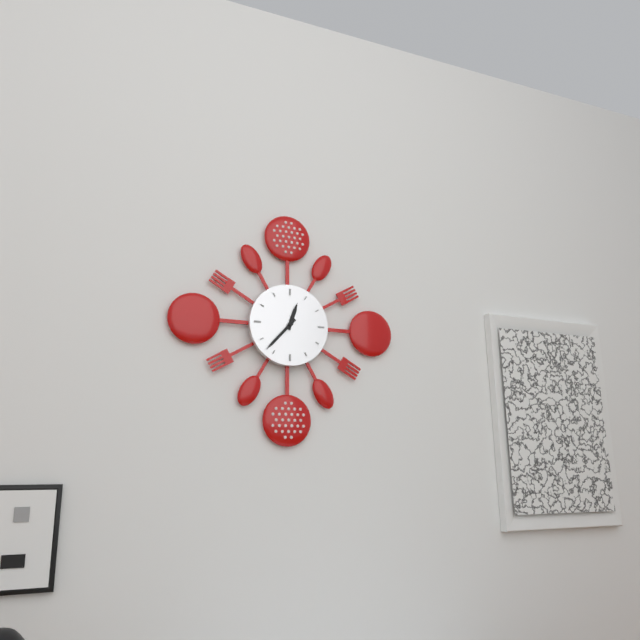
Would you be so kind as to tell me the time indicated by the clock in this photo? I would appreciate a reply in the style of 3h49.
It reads 12h37
